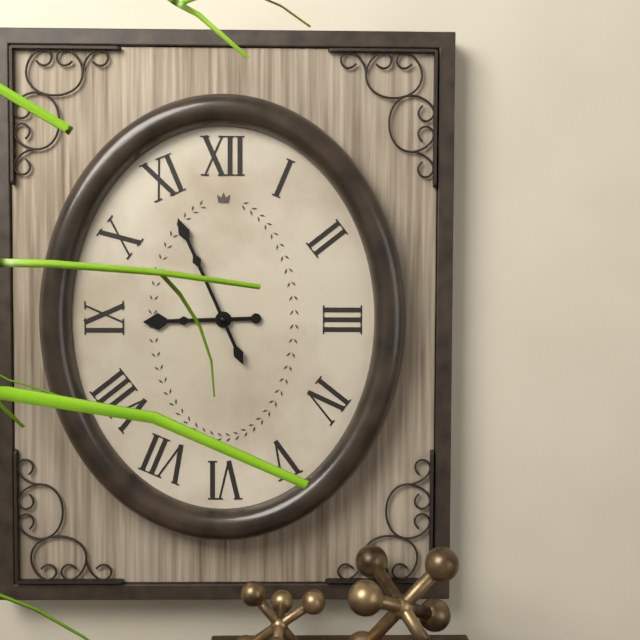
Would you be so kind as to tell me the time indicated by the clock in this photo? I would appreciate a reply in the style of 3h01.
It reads 8h56
